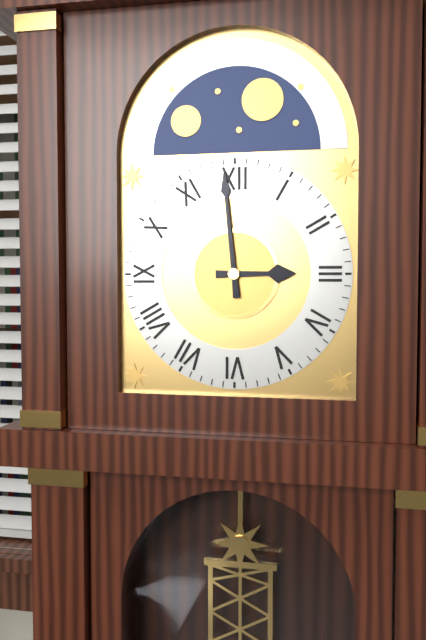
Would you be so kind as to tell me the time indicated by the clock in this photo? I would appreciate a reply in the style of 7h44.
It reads 2h59
